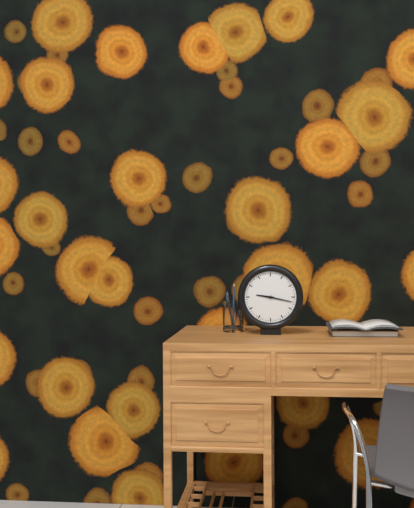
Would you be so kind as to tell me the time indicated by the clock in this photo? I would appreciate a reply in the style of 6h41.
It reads 9h17
